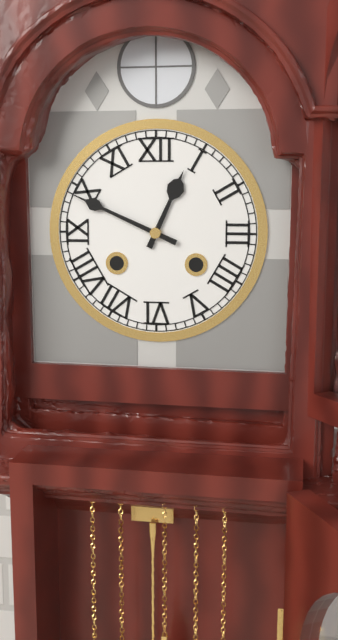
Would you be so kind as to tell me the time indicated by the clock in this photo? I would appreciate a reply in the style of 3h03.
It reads 12h49
